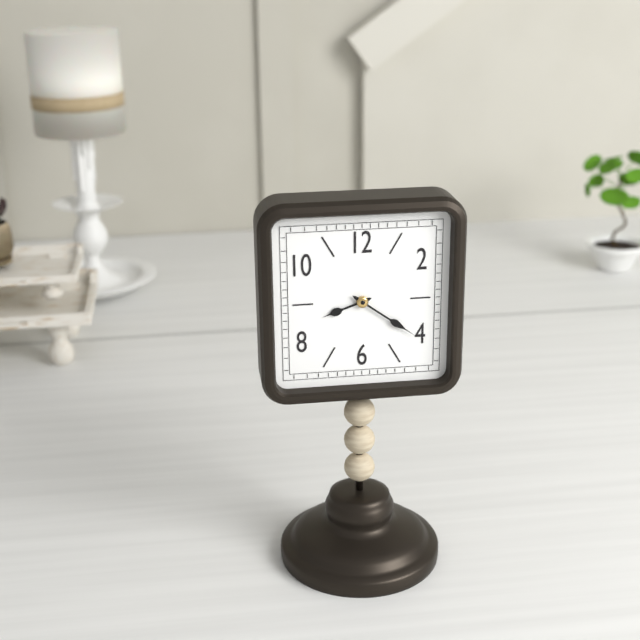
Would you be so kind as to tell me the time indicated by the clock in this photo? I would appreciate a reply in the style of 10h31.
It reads 8h21
